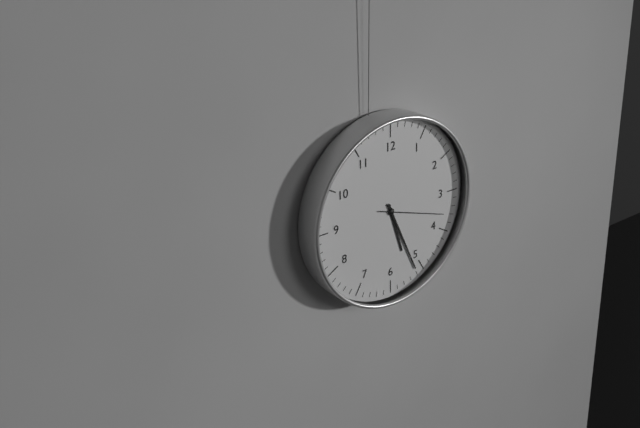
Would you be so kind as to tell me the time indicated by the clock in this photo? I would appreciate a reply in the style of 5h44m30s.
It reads 5h26m18s
